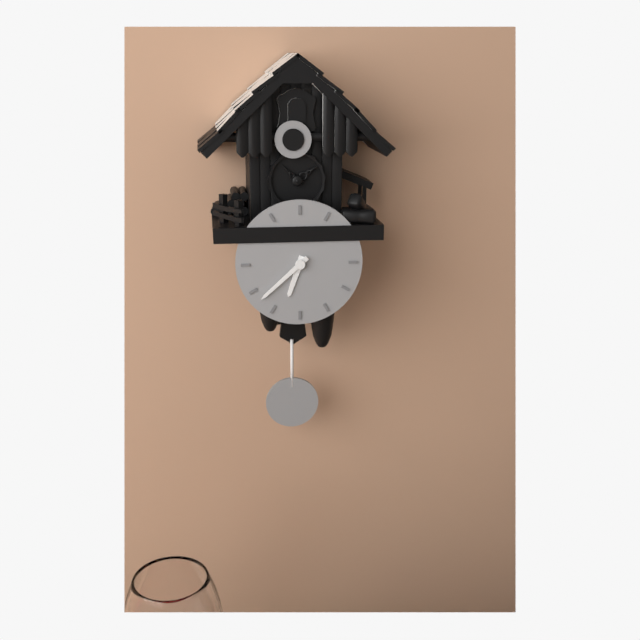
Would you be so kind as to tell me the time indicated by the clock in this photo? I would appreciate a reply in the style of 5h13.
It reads 6h38
